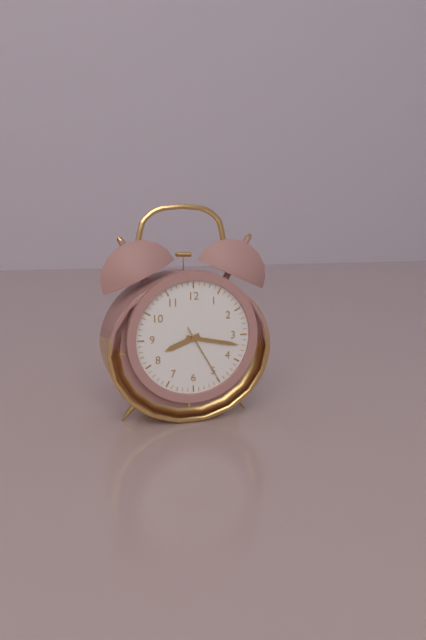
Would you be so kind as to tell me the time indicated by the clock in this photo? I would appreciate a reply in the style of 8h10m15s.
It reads 8h17m25s
